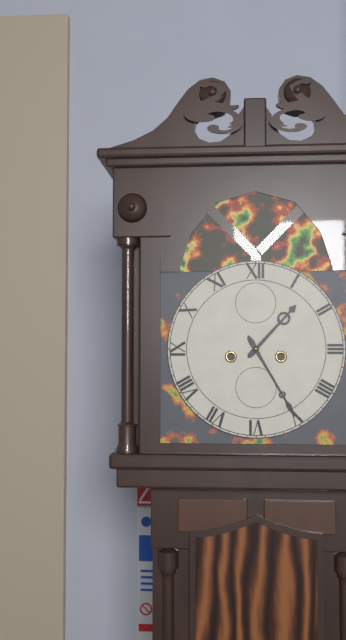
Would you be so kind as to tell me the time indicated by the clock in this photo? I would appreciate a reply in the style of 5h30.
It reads 1h25
